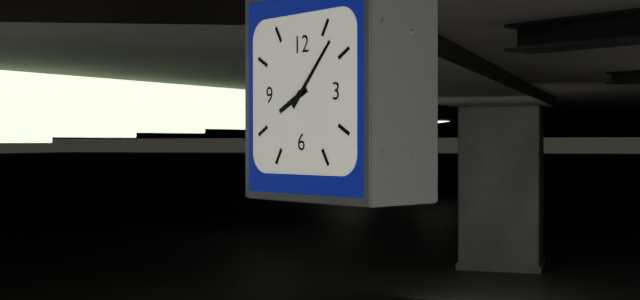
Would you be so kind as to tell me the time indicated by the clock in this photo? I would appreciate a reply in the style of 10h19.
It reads 8h07
